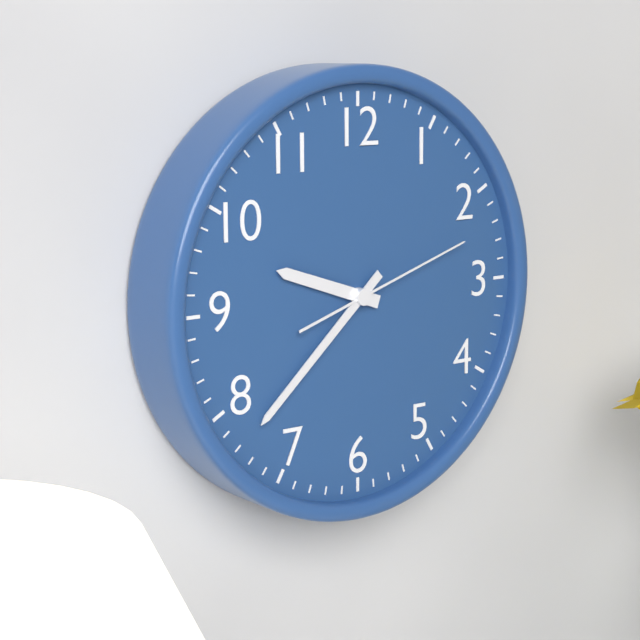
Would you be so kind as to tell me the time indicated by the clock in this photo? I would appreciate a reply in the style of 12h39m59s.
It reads 9h38m12s
